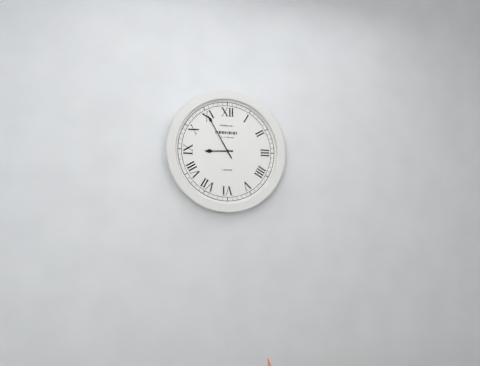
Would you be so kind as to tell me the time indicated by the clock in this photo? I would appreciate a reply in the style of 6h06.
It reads 8h55
